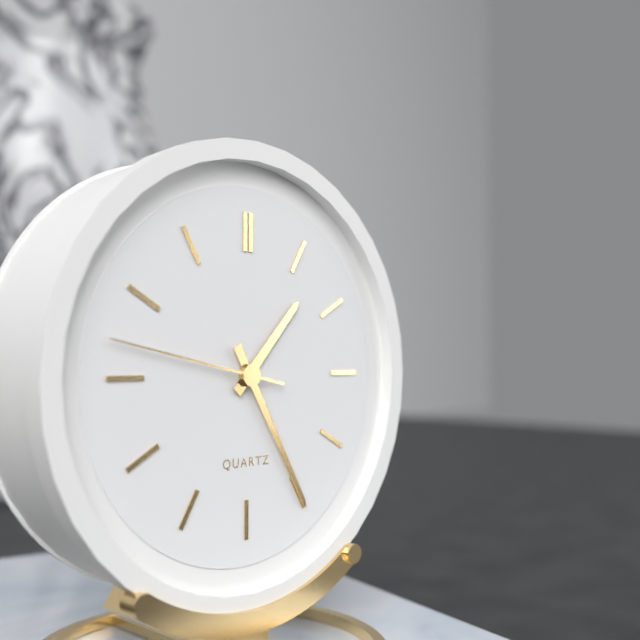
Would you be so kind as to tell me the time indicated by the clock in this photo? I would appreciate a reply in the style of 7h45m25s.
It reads 1h25m47s
